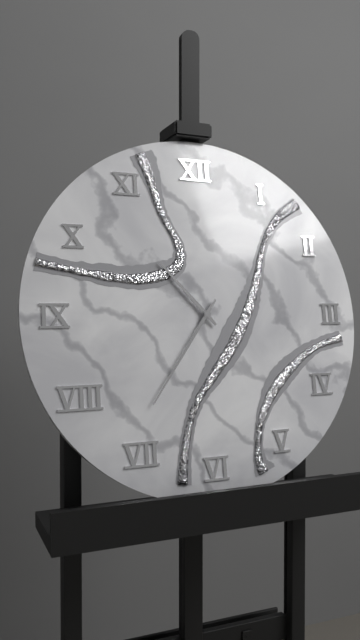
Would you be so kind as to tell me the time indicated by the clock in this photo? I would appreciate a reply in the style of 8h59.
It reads 10h36
